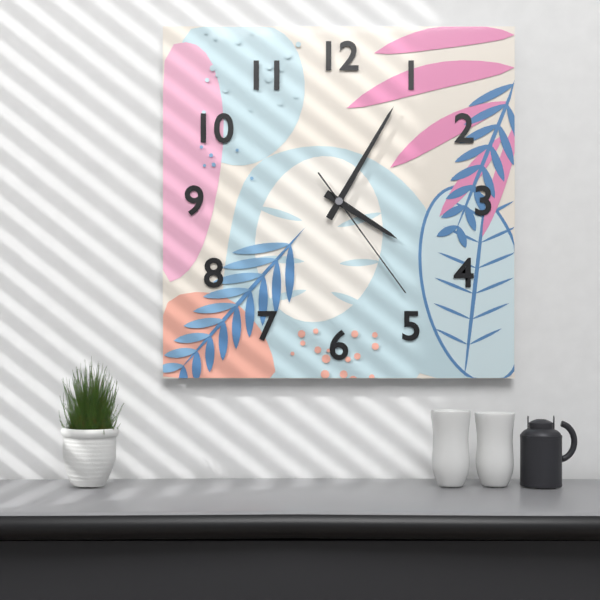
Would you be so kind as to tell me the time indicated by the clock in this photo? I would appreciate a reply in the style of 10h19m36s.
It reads 4h05m24s
